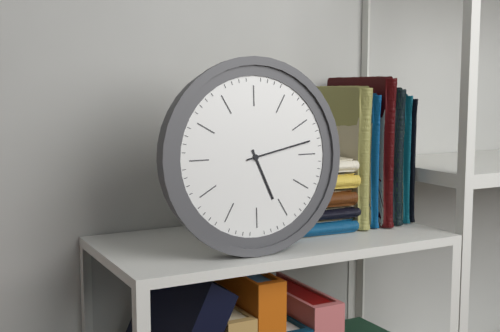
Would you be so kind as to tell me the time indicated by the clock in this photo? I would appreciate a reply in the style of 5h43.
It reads 5h13
